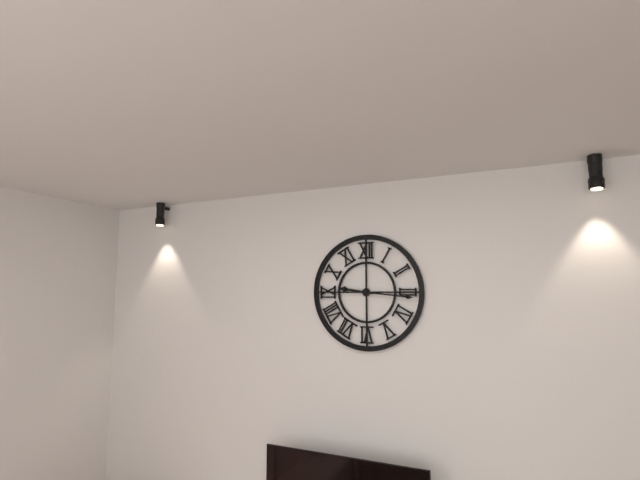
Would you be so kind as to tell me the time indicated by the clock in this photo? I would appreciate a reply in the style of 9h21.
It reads 9h16
